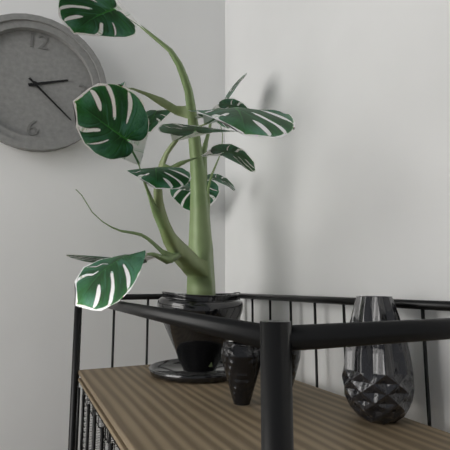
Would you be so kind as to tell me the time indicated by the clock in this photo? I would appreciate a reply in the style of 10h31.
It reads 2h22
